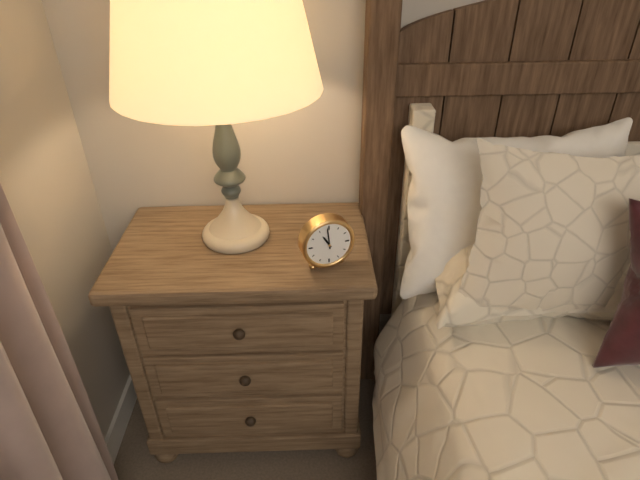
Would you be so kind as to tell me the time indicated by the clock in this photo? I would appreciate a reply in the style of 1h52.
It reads 10h59
